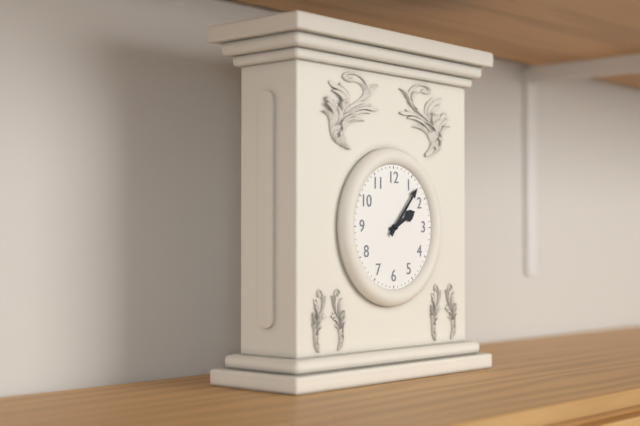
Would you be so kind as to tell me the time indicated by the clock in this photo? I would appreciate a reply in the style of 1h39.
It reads 2h07
